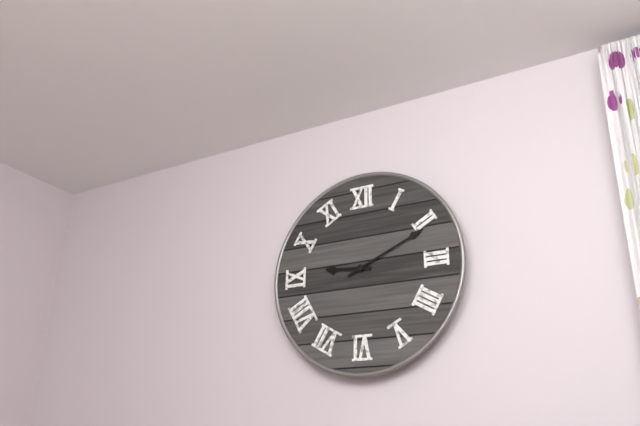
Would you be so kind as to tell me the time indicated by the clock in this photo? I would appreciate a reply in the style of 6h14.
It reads 9h11
